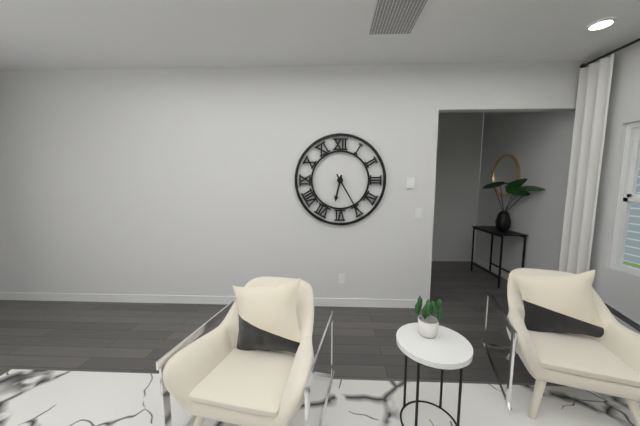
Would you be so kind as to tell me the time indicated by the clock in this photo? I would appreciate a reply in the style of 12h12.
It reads 6h25
